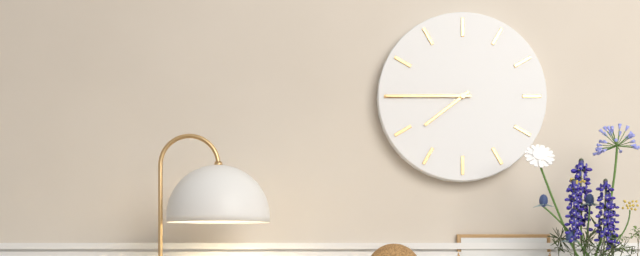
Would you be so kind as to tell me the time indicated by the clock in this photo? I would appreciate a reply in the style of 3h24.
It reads 7h45
